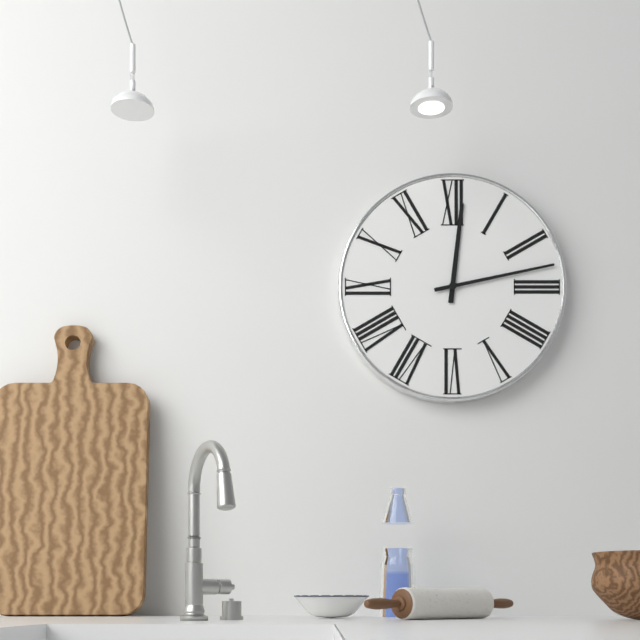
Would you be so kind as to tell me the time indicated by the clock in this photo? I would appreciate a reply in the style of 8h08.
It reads 12h13
